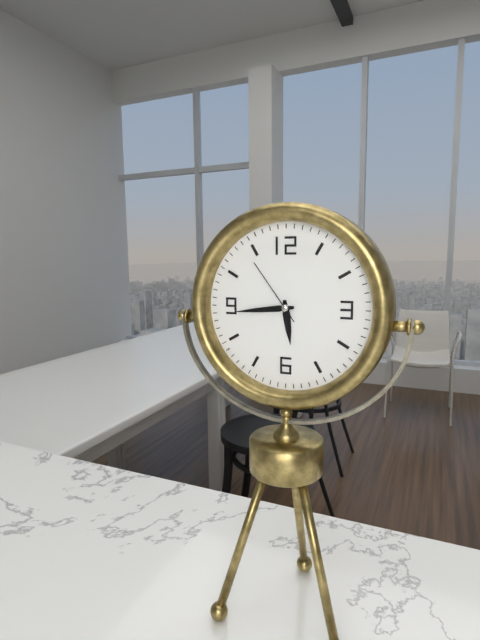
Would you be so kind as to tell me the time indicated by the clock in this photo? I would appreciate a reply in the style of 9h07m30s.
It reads 5h44m54s
